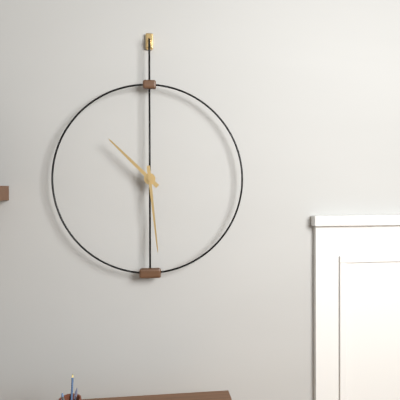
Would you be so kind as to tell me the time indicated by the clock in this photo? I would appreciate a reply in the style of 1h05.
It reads 10h29
